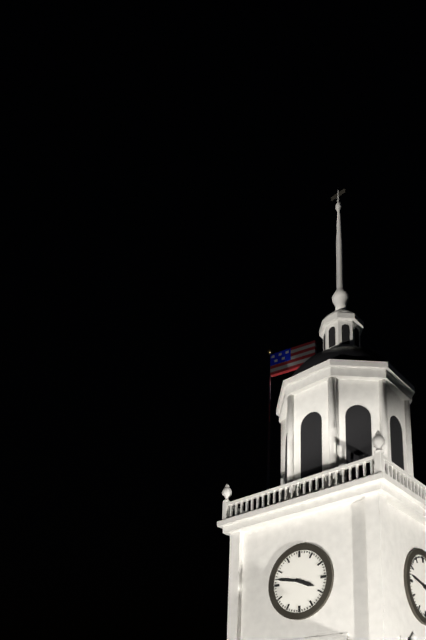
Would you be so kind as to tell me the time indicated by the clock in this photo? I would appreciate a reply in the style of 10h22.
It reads 3h47
